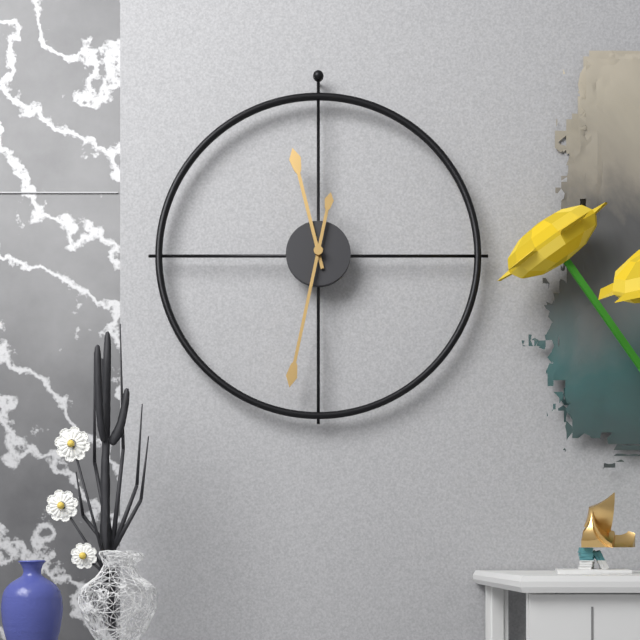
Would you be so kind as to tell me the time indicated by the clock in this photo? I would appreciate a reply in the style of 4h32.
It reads 11h32
